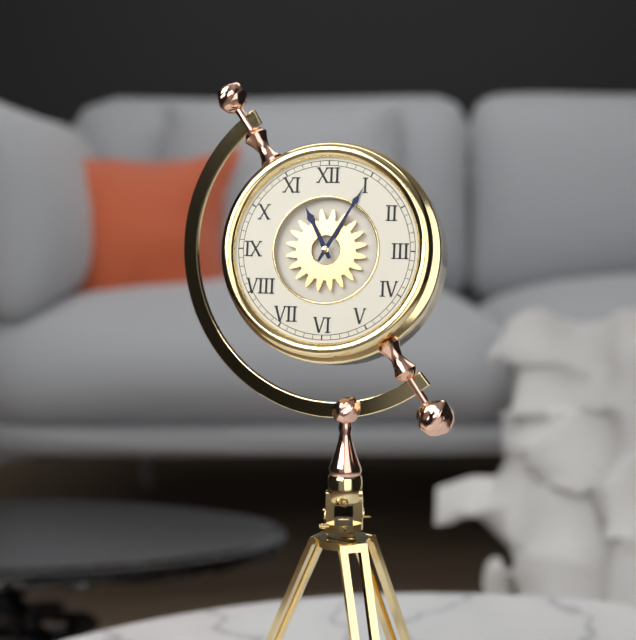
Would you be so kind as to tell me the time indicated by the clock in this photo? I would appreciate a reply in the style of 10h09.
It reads 11h05
